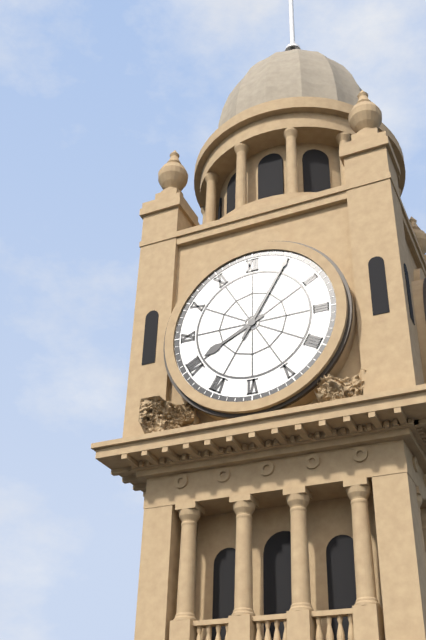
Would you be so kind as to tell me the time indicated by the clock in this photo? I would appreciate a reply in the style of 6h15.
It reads 8h05
